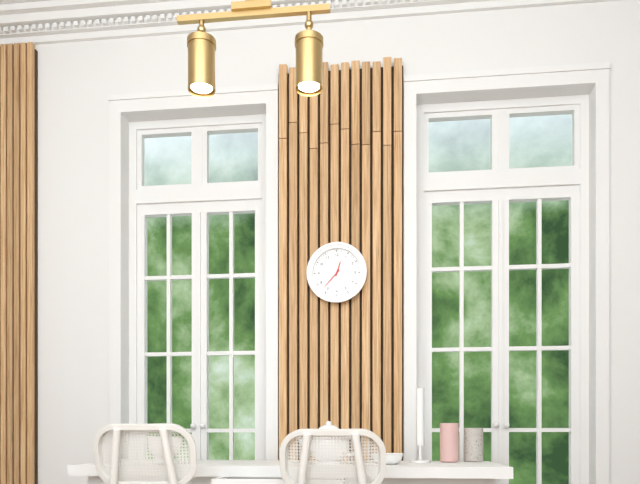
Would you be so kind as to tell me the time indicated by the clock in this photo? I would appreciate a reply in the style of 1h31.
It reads 12h37
